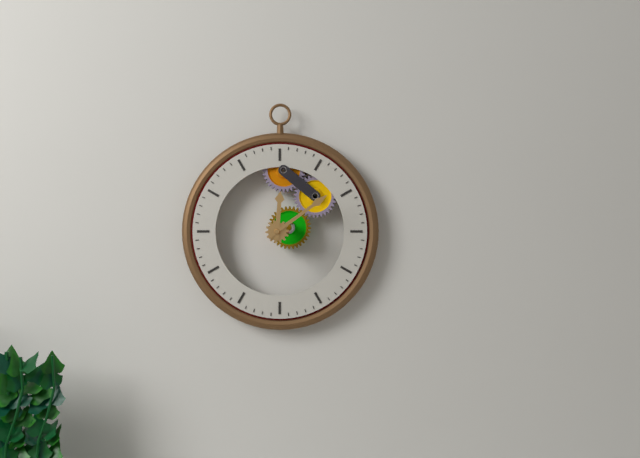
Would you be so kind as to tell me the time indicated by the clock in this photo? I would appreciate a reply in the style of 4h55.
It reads 12h09
